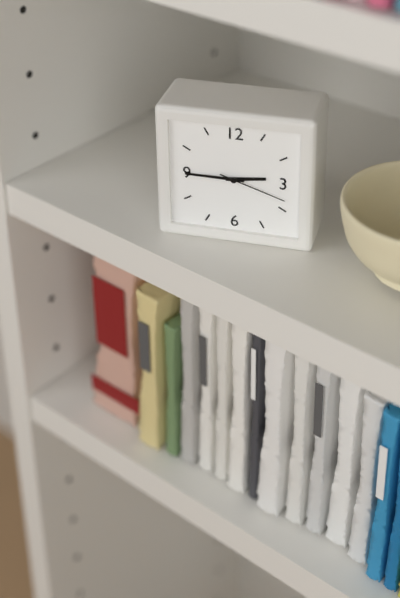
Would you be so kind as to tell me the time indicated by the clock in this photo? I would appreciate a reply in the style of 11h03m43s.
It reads 2h45m18s
